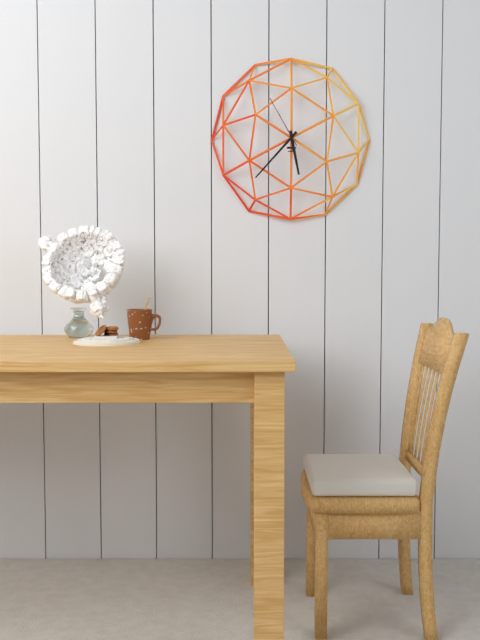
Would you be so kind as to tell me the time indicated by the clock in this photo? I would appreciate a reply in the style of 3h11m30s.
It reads 5h37m55s
